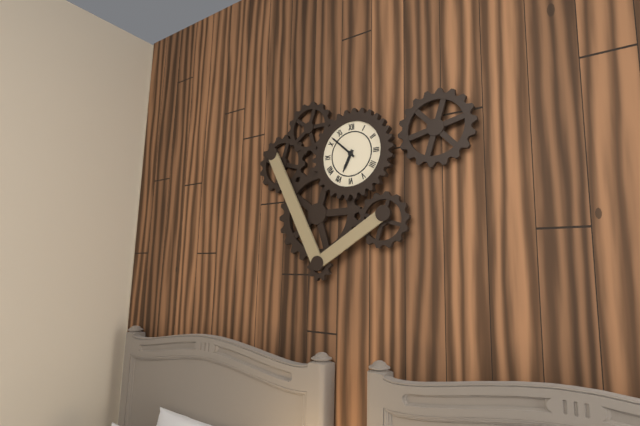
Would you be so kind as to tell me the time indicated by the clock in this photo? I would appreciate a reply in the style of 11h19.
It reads 6h52
